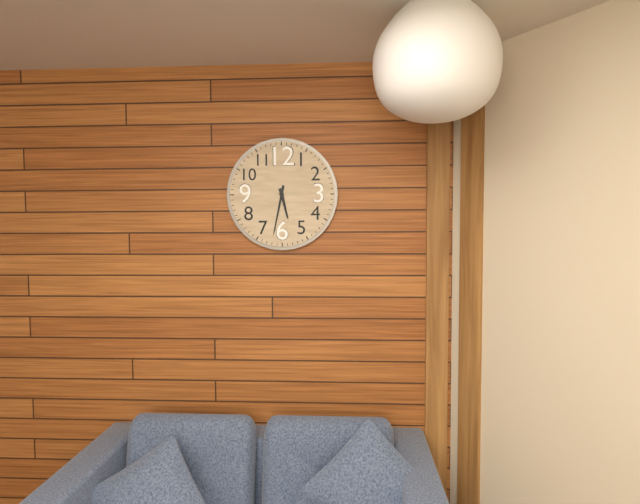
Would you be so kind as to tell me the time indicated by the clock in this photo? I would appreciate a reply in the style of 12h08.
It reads 5h32
